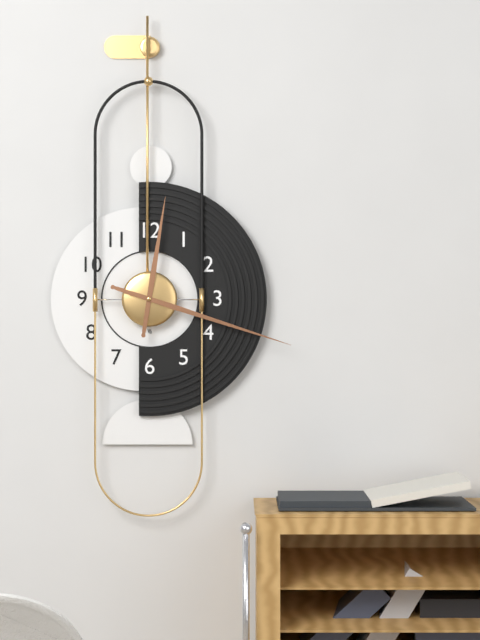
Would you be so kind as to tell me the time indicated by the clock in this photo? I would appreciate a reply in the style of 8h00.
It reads 12h18
